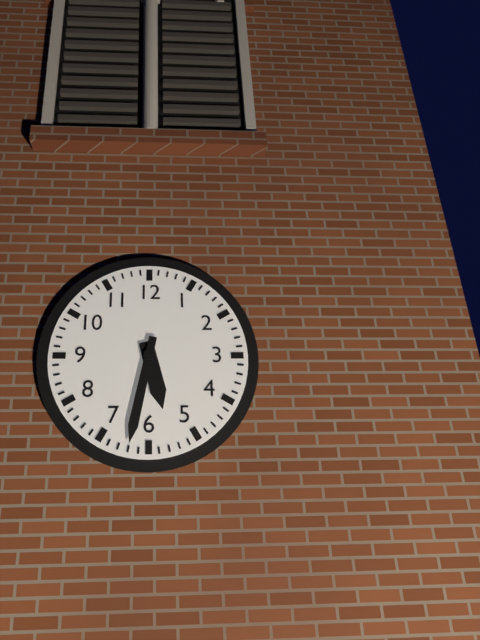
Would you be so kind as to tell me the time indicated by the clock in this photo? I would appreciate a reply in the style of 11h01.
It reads 5h32
